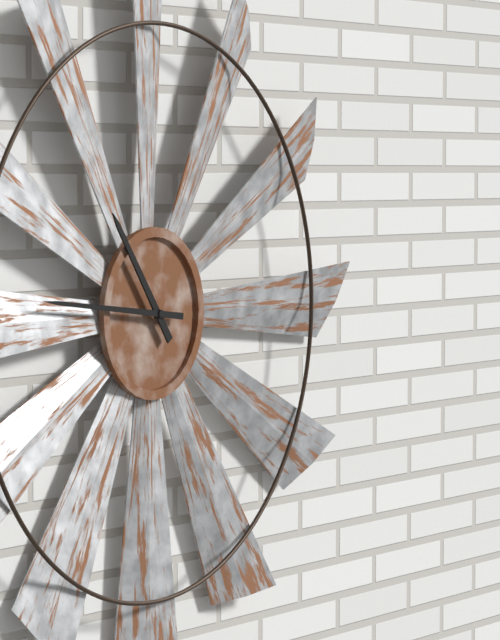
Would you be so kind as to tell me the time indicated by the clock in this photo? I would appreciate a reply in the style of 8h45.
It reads 10h46
